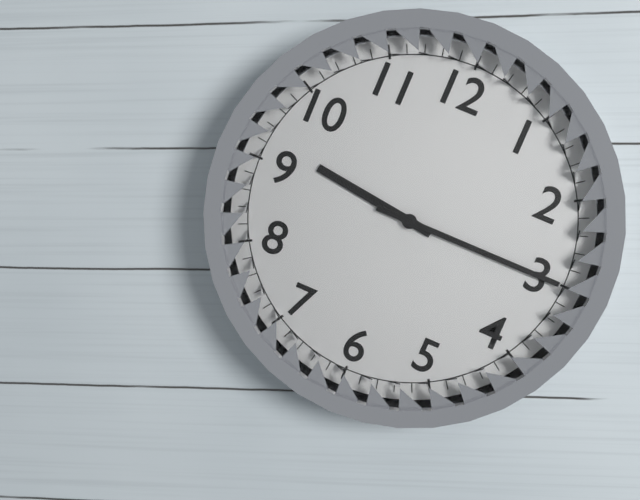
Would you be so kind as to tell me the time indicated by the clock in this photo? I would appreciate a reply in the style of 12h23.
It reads 9h15
